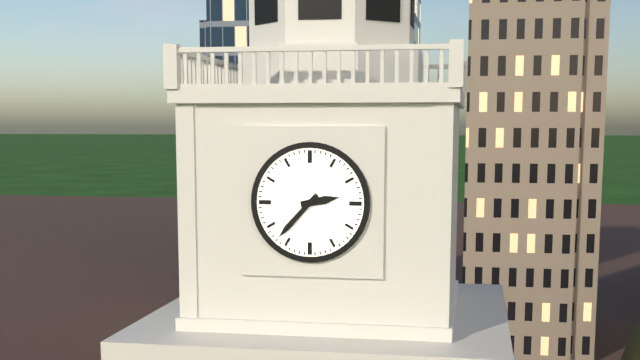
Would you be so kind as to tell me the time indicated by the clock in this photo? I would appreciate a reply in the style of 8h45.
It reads 2h37
